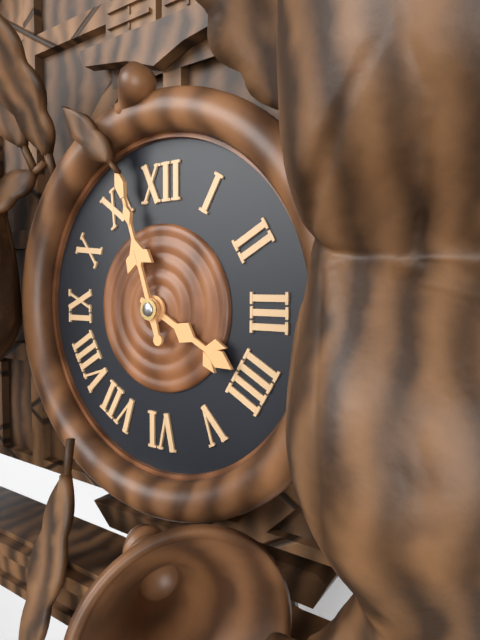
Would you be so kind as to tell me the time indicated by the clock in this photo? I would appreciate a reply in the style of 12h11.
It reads 3h57
